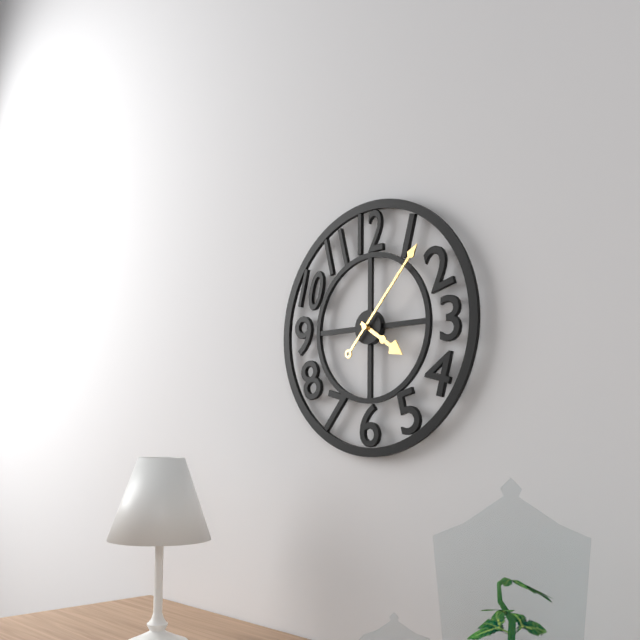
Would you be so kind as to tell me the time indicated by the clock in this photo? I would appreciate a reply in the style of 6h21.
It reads 4h07
